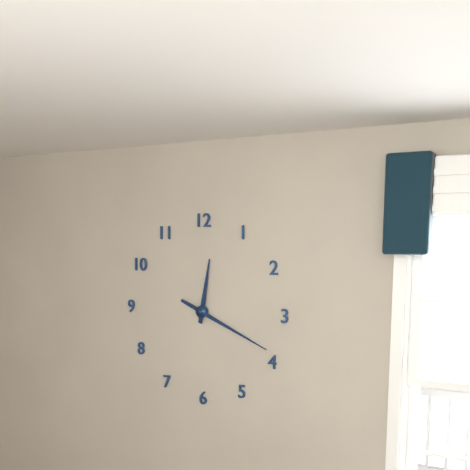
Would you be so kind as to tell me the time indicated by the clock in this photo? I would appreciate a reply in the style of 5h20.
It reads 12h19
